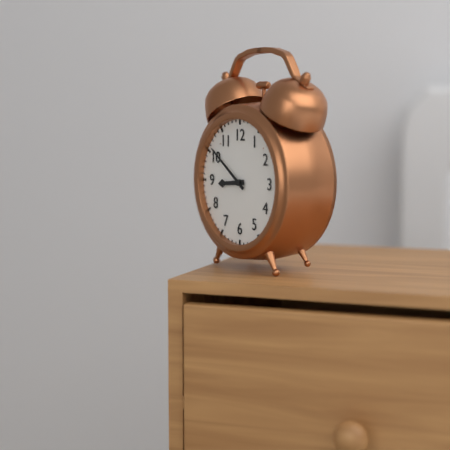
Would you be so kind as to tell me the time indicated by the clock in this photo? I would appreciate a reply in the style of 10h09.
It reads 8h51
